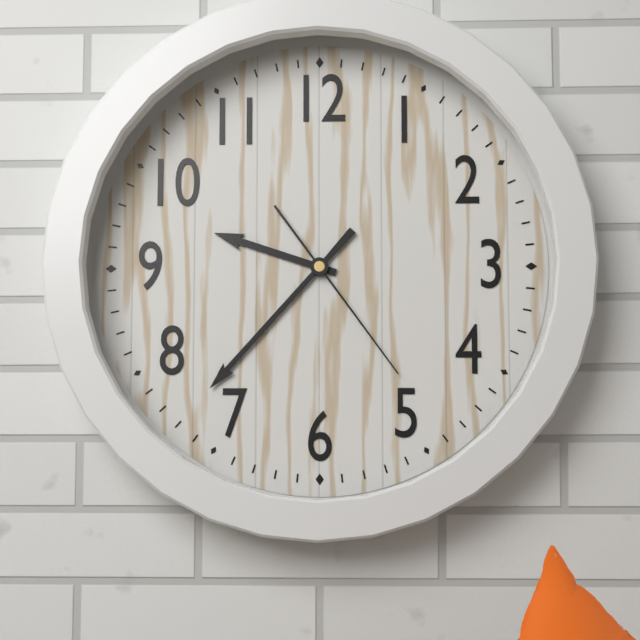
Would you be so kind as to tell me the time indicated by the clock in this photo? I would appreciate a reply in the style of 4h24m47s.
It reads 9h37m24s
